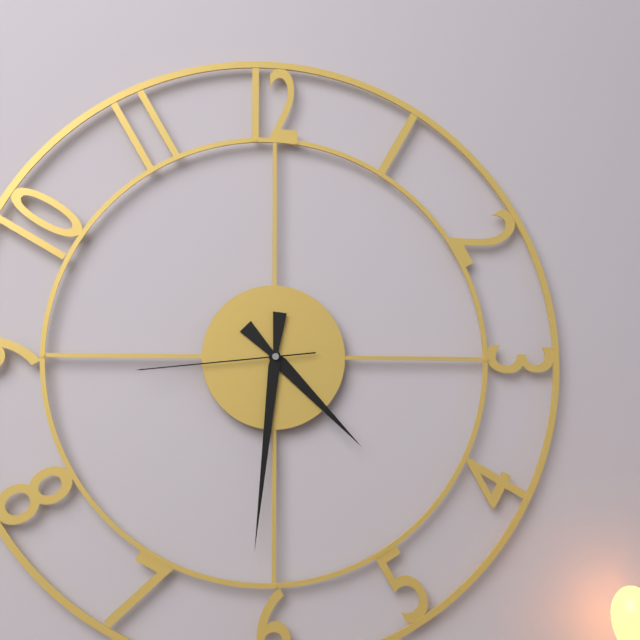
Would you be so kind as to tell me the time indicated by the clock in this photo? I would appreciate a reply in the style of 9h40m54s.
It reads 4h31m44s
